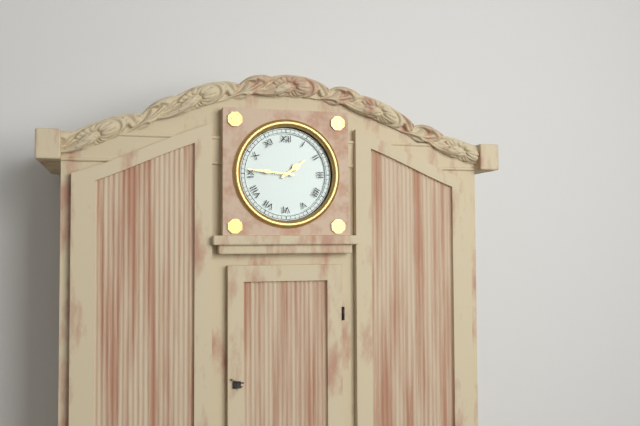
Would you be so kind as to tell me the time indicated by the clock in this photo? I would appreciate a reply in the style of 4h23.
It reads 1h46
